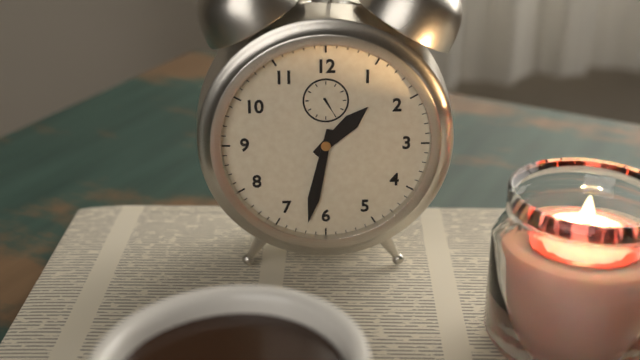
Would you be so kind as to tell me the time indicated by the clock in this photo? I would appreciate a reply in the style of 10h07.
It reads 1h32
